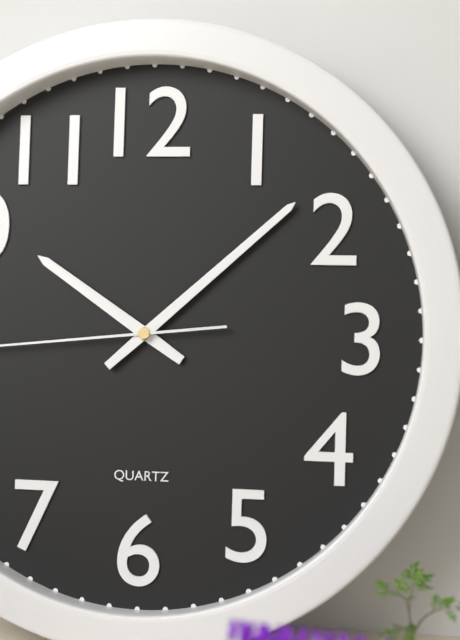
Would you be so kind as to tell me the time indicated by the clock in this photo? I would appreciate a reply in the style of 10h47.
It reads 10h08
